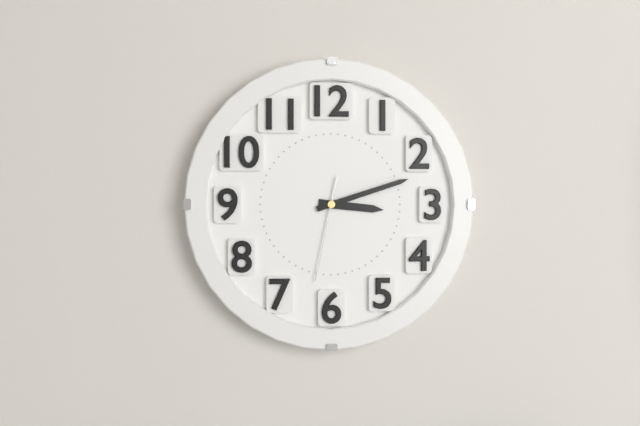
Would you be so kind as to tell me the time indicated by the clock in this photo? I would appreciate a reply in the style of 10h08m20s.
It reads 3h12m32s
